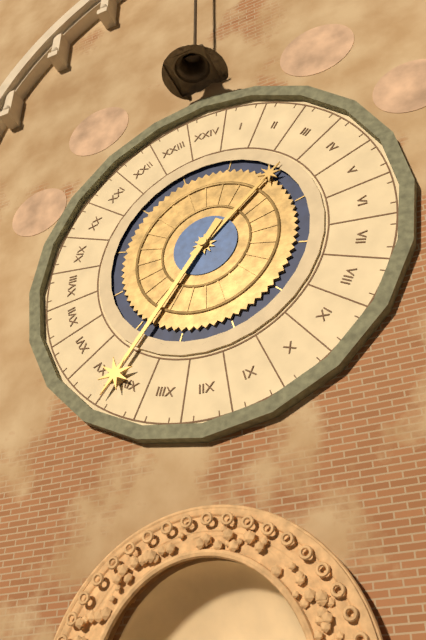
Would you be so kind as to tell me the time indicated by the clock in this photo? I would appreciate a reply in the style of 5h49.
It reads 1h36
